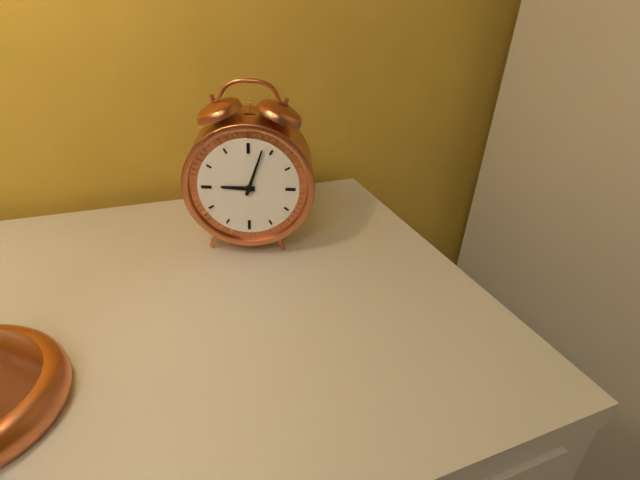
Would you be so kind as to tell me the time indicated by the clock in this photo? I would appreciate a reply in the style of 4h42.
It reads 9h03
